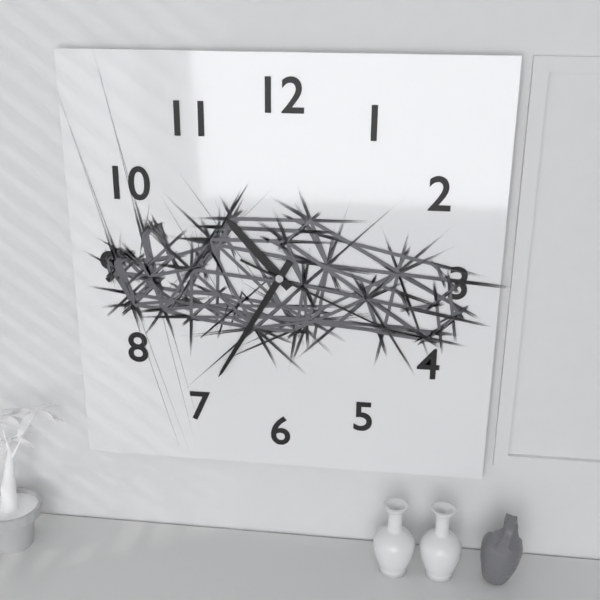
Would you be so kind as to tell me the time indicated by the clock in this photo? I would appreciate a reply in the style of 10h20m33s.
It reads 10h35m19s
